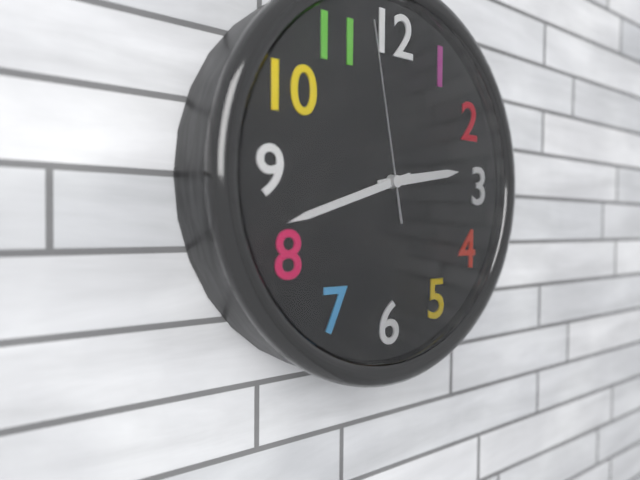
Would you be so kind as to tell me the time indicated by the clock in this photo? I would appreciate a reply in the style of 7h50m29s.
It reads 2h42m58s
